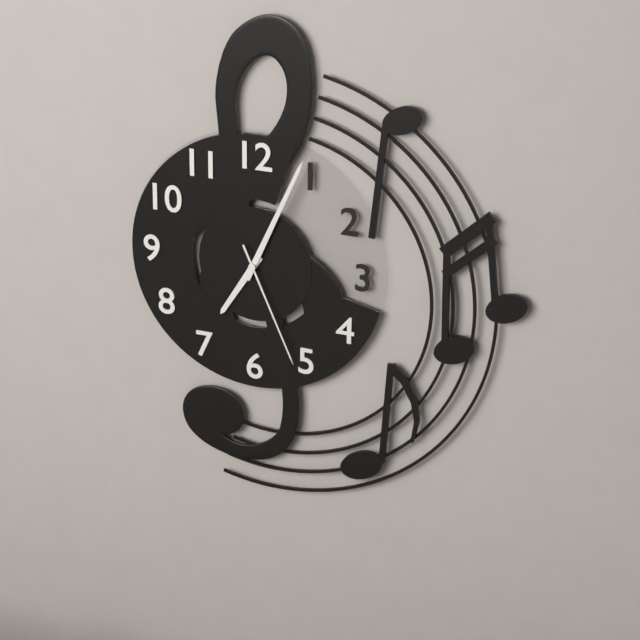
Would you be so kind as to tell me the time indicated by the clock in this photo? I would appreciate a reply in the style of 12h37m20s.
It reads 7h04m26s
